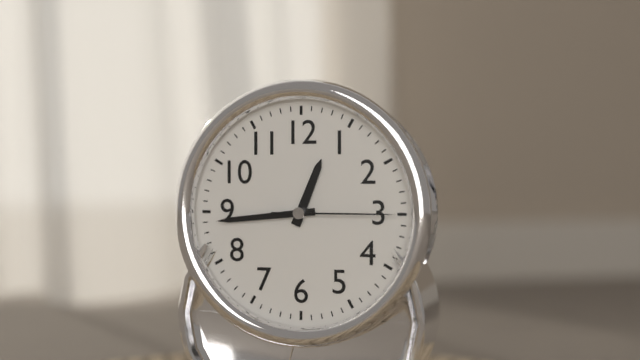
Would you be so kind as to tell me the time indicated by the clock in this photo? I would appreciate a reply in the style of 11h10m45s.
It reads 12h44m15s
